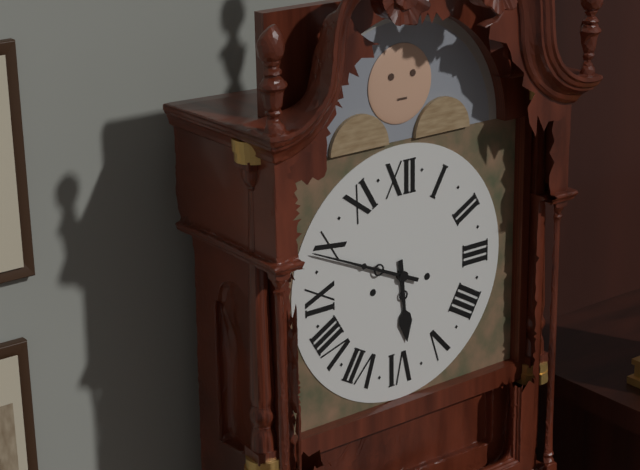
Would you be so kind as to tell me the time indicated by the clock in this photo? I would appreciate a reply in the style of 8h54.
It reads 5h49
